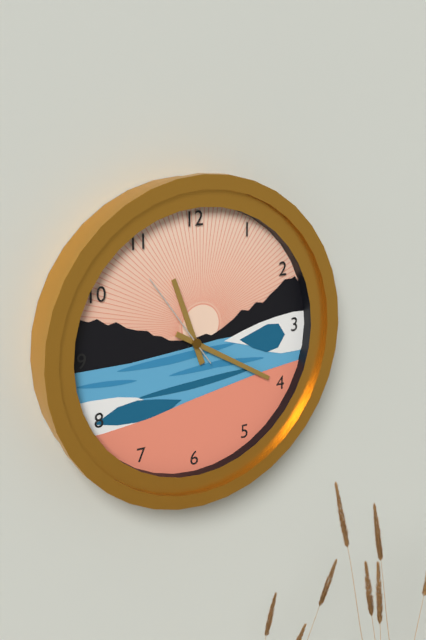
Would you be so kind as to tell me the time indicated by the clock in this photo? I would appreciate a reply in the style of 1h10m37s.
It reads 11h20m54s
